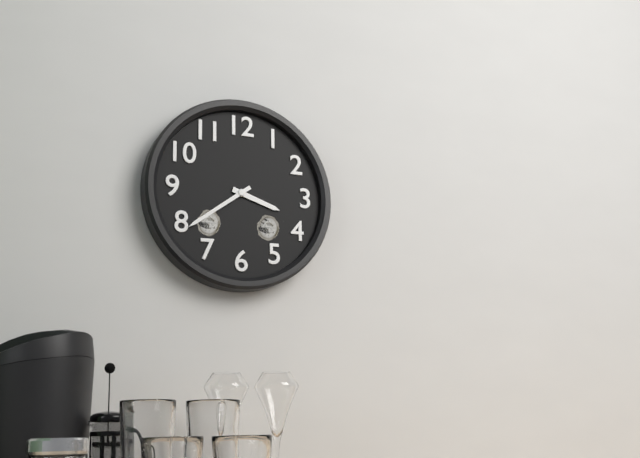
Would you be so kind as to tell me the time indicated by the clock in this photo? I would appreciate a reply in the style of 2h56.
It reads 3h39
